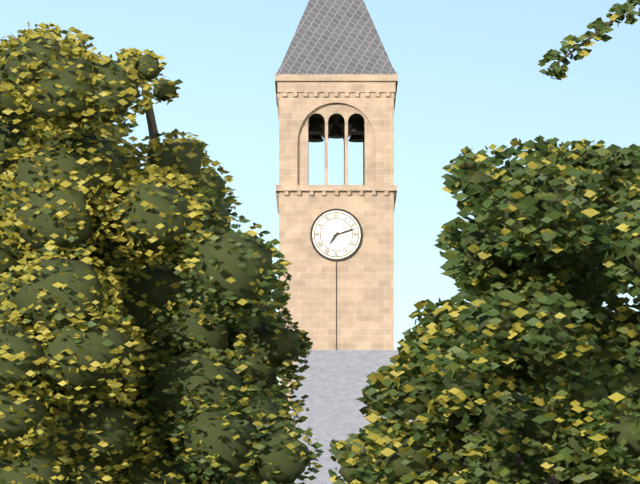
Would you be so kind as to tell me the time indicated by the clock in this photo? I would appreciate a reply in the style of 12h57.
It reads 7h12
